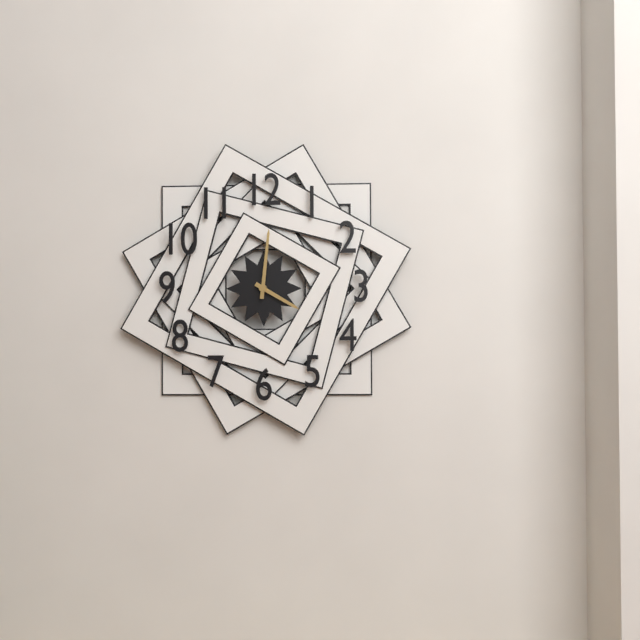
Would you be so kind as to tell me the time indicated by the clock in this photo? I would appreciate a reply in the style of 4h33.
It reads 4h01
